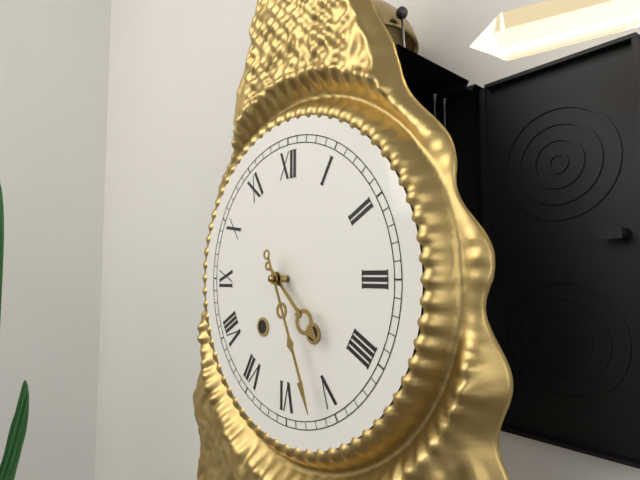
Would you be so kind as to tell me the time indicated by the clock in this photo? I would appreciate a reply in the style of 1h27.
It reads 4h26
